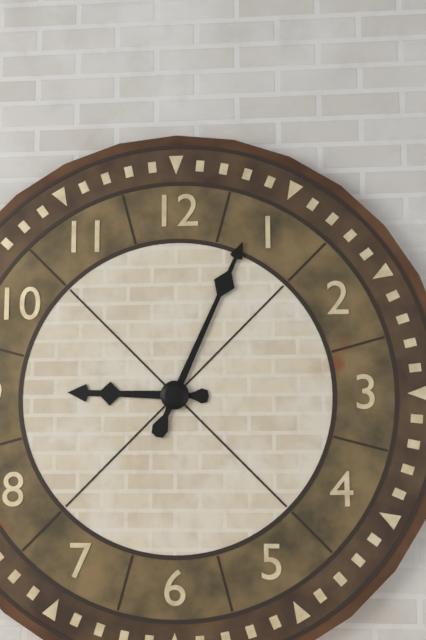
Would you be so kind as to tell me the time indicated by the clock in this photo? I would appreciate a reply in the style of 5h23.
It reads 9h04
